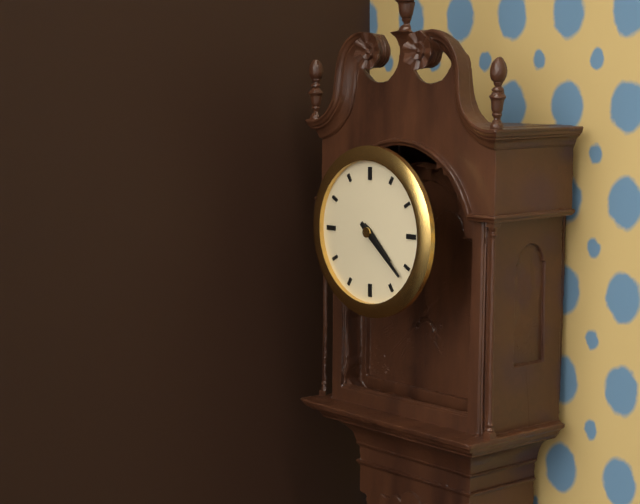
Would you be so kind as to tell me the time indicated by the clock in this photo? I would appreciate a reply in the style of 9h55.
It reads 4h22
